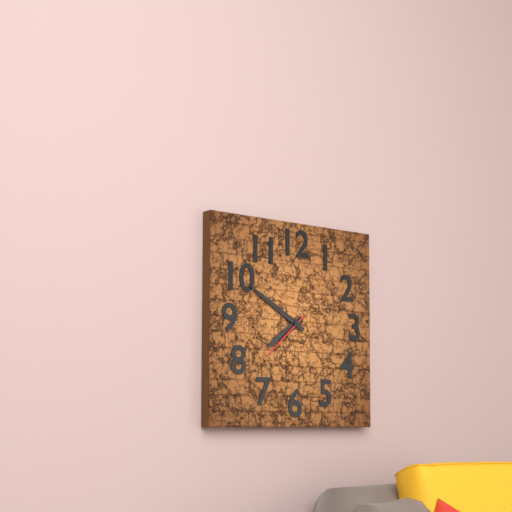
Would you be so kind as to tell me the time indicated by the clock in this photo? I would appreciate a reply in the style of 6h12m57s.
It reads 7h50m38s
